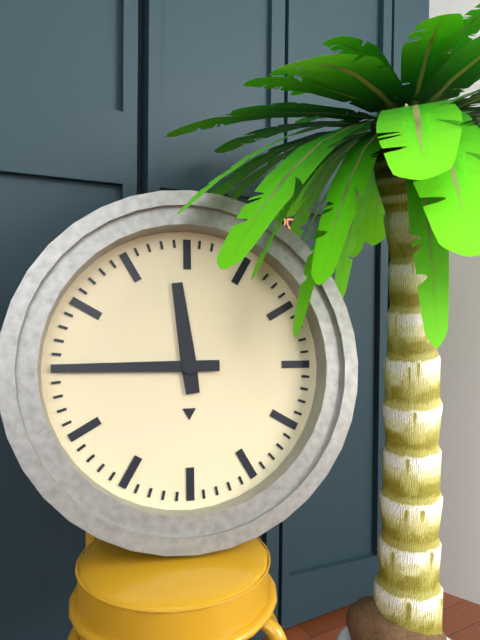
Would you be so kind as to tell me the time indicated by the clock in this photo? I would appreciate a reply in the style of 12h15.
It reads 11h45
